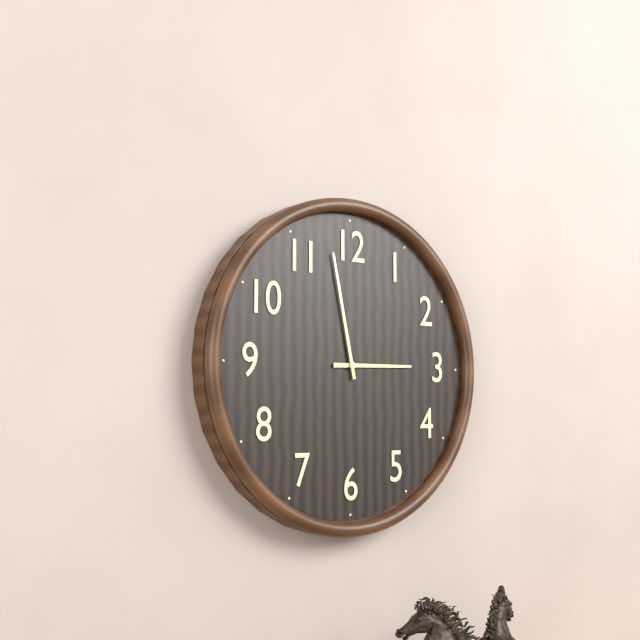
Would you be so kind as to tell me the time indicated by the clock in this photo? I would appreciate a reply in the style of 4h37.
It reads 2h58
